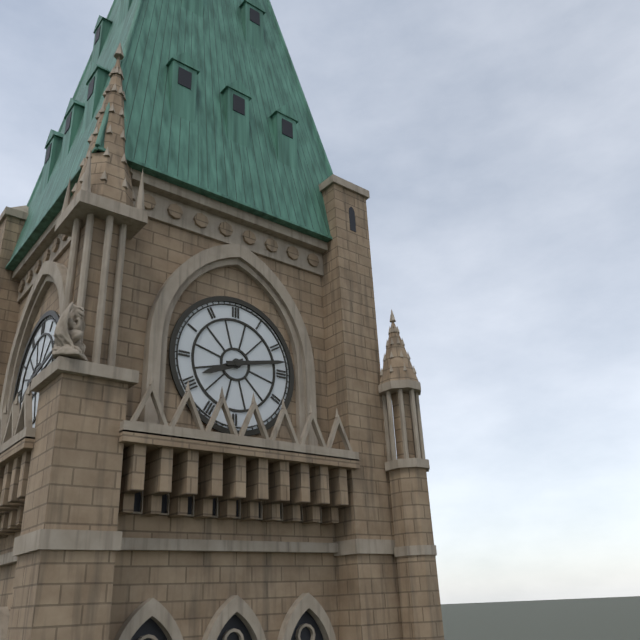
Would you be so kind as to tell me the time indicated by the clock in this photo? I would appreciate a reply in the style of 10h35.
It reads 8h13
